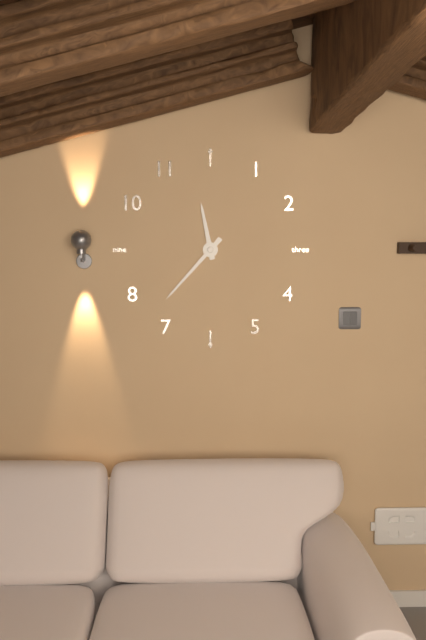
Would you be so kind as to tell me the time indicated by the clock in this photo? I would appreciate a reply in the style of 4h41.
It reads 11h37
